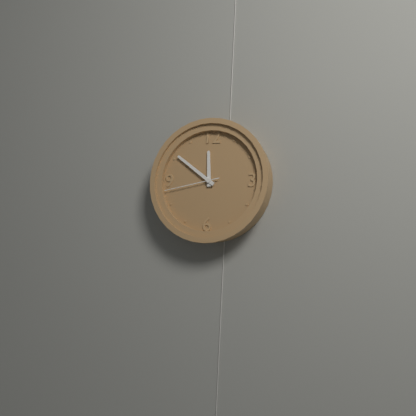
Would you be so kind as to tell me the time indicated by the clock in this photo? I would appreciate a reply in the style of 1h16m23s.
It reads 11h51m43s
